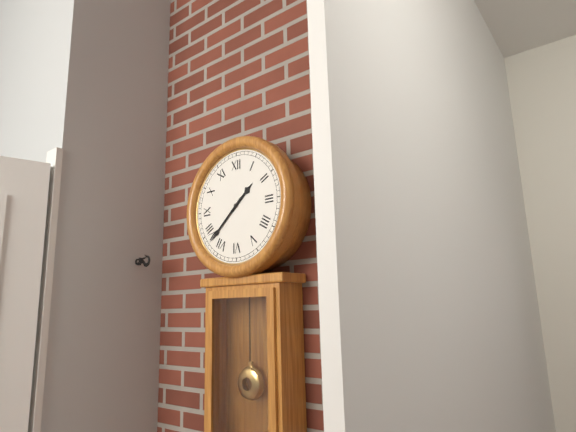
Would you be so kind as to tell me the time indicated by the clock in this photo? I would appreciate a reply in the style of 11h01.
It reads 1h38
